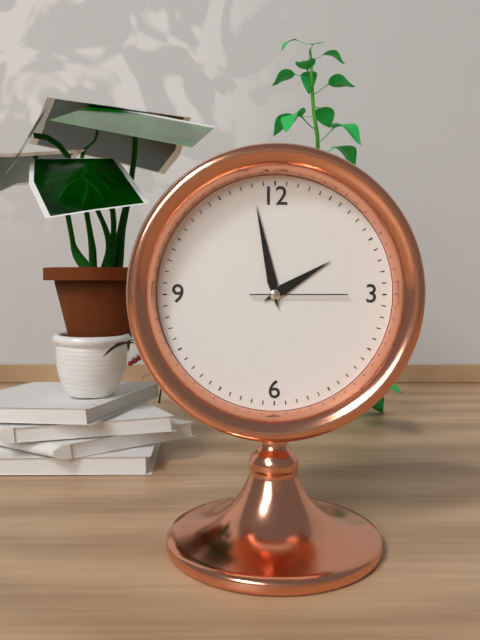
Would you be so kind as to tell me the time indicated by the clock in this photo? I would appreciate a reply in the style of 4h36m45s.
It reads 1h58m15s
